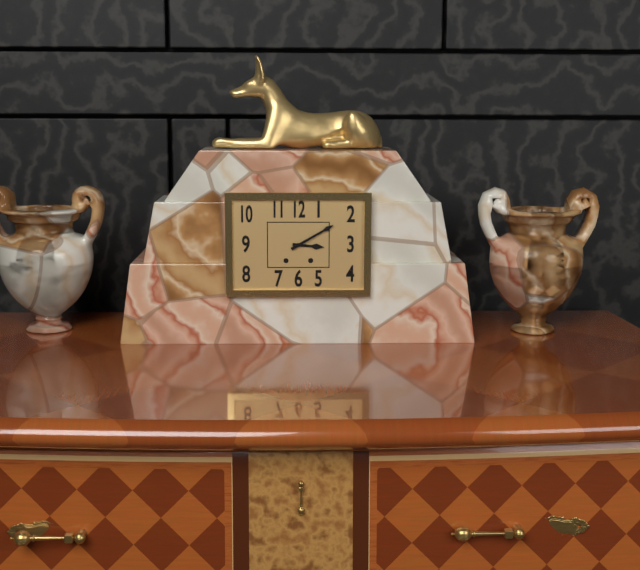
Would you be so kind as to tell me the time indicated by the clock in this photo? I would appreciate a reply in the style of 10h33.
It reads 3h10
